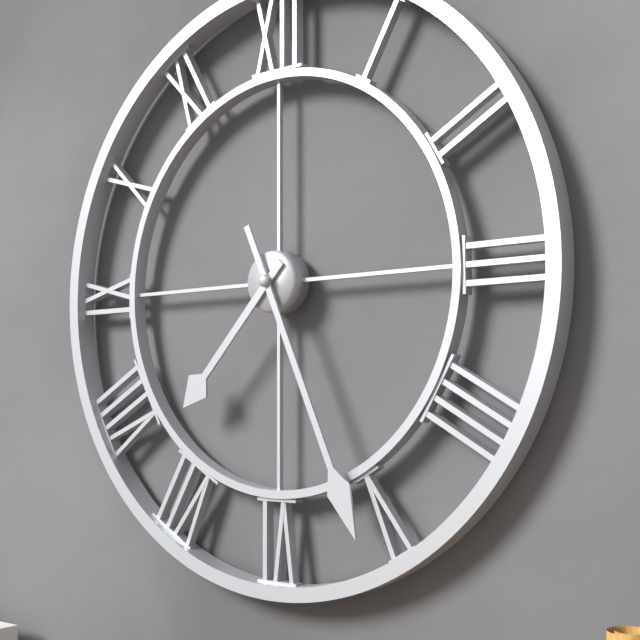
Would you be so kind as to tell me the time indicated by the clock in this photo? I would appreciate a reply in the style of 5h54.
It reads 7h26
